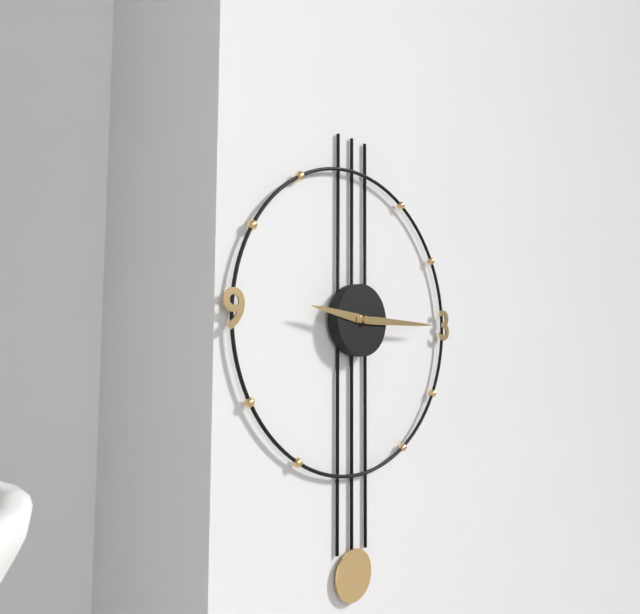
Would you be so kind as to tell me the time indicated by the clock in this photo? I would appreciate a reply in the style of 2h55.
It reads 9h15
